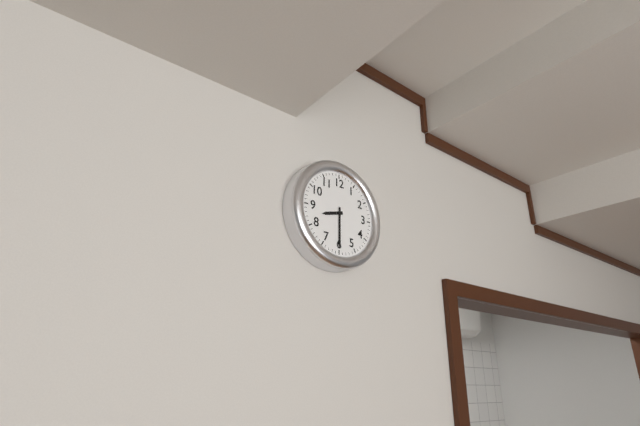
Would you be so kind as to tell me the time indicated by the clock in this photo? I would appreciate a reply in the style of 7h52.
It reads 8h30
